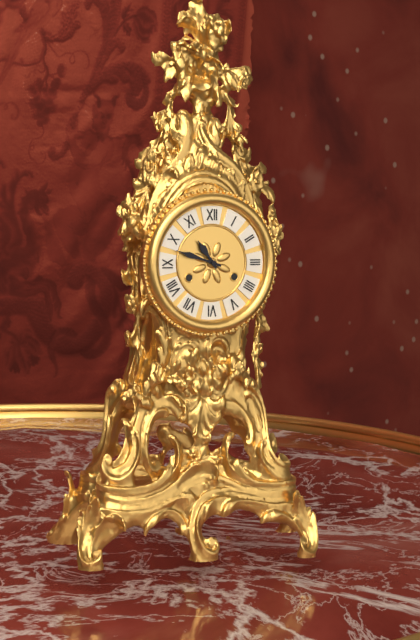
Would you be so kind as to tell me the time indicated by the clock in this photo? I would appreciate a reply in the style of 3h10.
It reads 10h48
